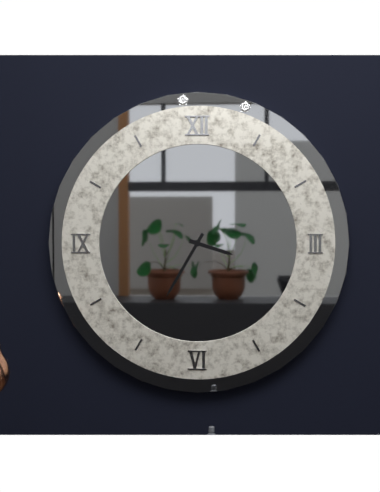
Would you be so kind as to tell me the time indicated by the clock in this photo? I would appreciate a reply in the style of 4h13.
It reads 3h35
